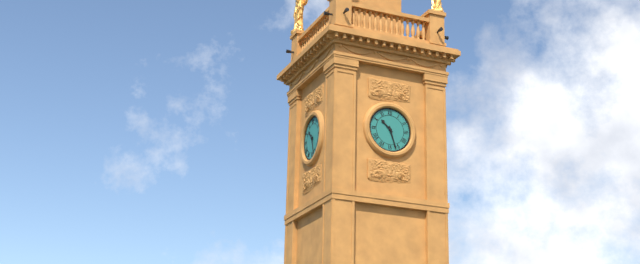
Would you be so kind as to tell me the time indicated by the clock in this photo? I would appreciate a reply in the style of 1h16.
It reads 10h27
